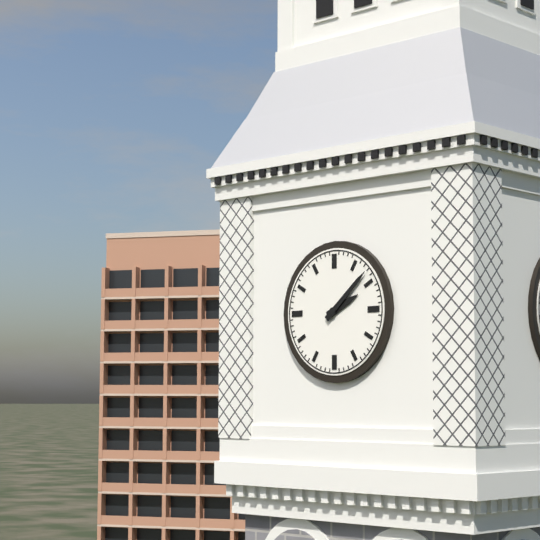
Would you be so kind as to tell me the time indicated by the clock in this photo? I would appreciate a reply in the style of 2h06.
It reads 2h08
